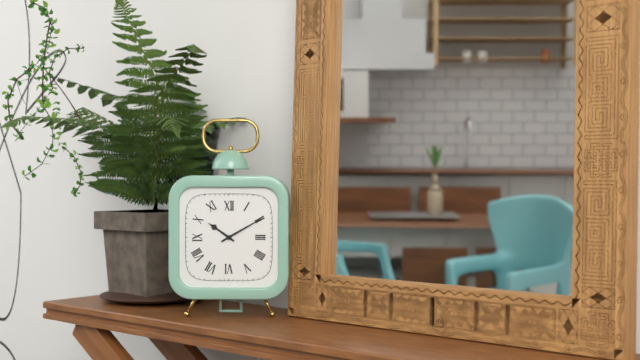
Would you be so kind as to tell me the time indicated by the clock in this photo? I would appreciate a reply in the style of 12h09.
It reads 10h10
